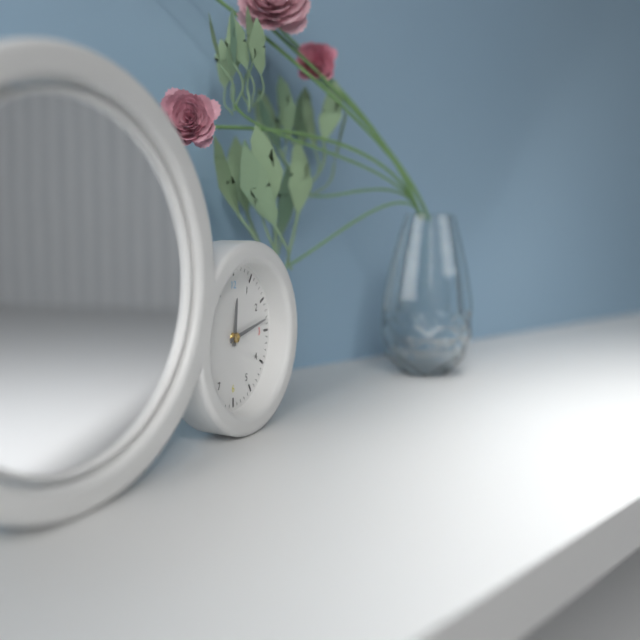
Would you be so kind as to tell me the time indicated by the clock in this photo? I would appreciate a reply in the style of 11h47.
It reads 12h13
